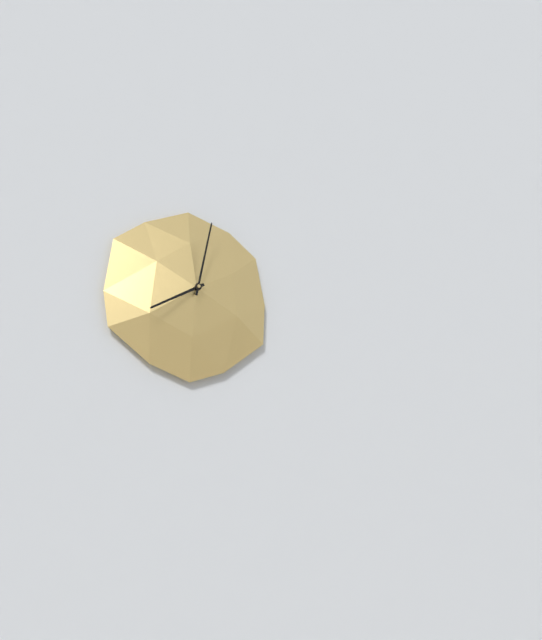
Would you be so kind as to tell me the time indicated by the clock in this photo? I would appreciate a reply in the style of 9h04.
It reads 8h02
